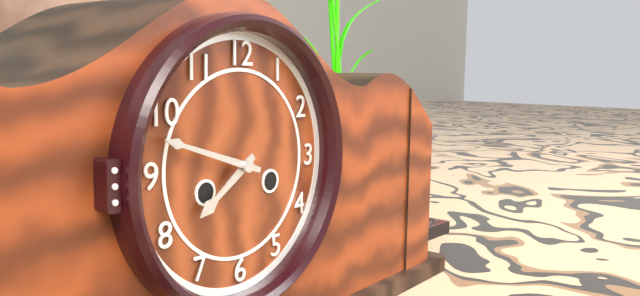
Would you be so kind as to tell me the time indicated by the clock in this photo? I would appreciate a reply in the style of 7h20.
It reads 7h48
